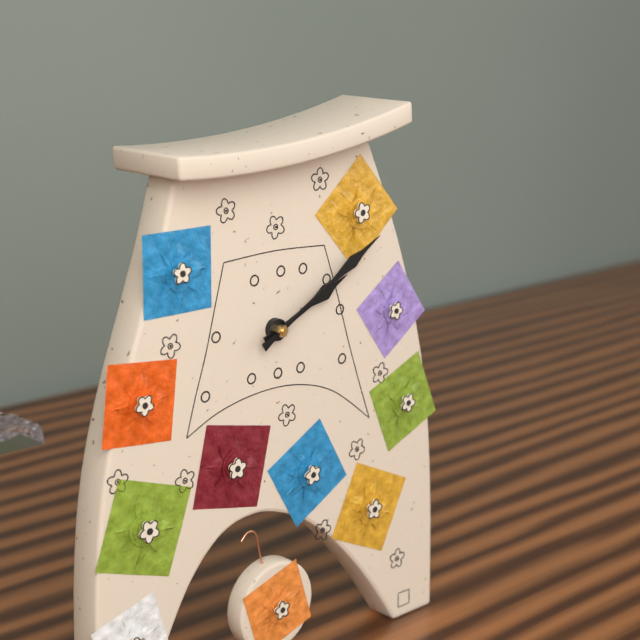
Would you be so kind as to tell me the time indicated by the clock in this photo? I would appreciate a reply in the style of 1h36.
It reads 2h10
